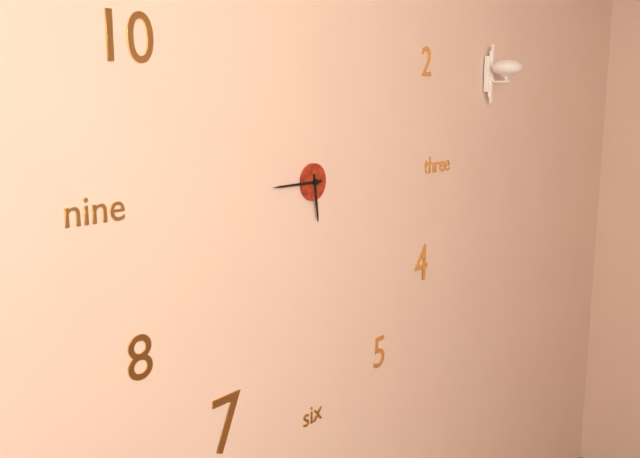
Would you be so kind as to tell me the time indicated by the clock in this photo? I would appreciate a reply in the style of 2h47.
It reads 5h45
